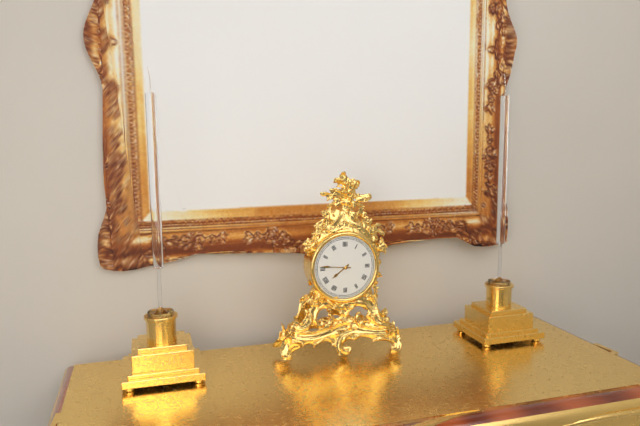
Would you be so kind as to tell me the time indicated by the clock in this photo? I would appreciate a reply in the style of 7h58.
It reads 7h46
